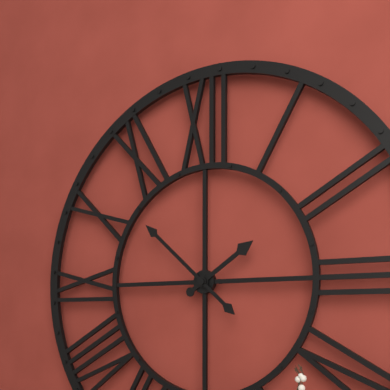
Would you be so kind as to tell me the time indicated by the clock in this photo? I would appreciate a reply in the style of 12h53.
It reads 1h52
